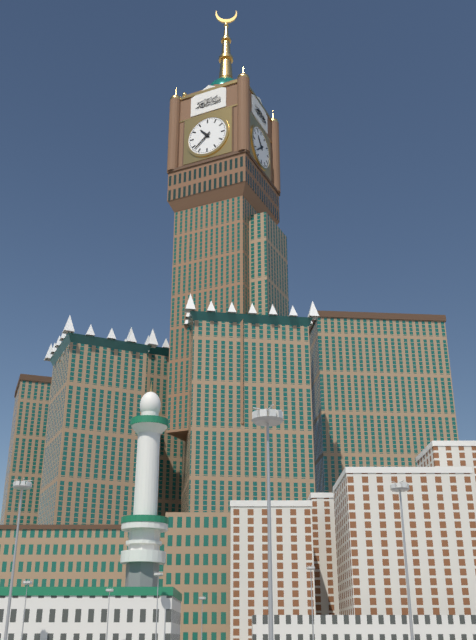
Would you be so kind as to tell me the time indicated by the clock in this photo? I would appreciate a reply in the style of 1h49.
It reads 10h38
